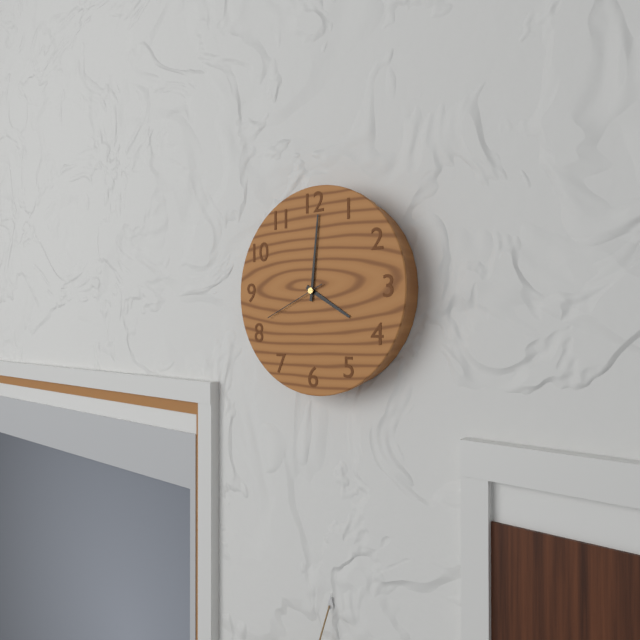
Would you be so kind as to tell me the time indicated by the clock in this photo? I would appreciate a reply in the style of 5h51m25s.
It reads 4h01m41s
